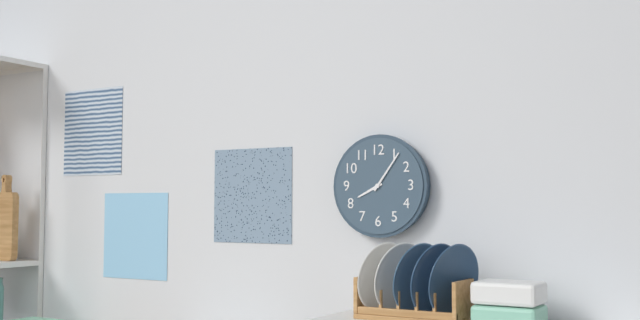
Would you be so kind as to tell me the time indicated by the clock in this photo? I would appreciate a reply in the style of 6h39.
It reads 8h06
